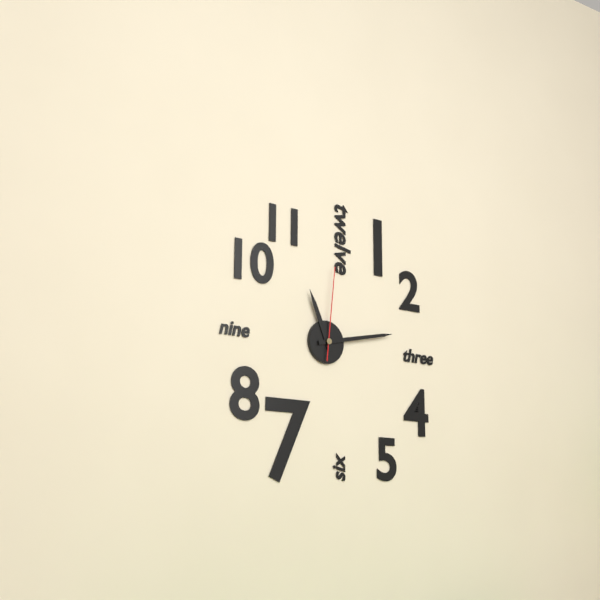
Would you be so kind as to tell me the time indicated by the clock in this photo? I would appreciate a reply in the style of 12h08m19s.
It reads 11h13m01s
